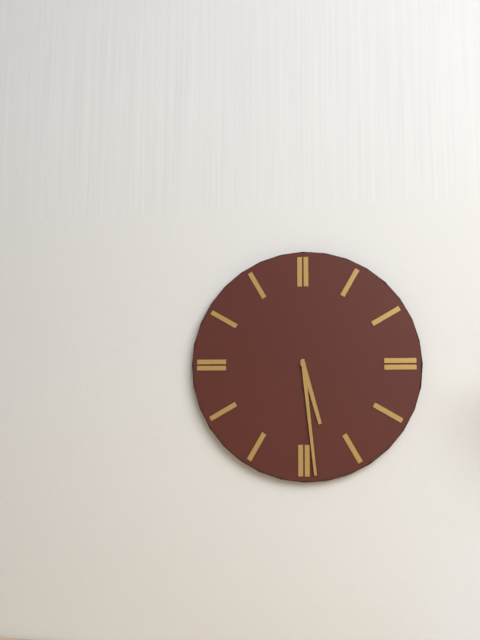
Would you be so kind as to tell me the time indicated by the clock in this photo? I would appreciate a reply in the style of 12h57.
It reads 5h29
